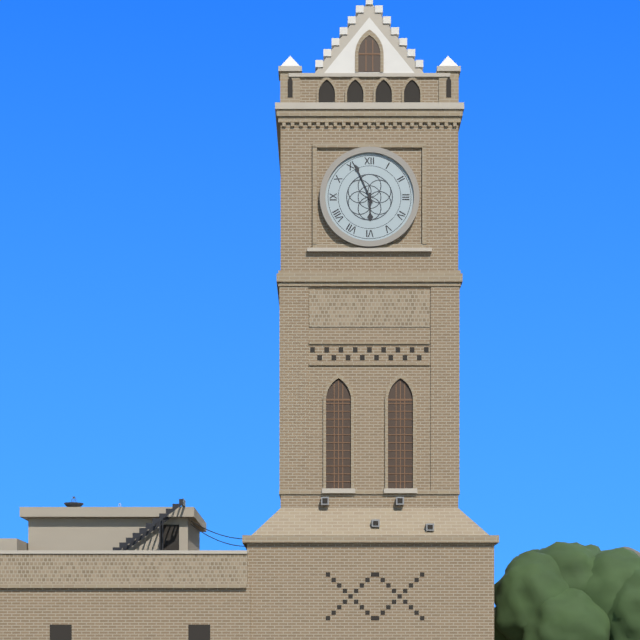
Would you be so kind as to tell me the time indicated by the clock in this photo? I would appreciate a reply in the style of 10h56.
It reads 5h56
